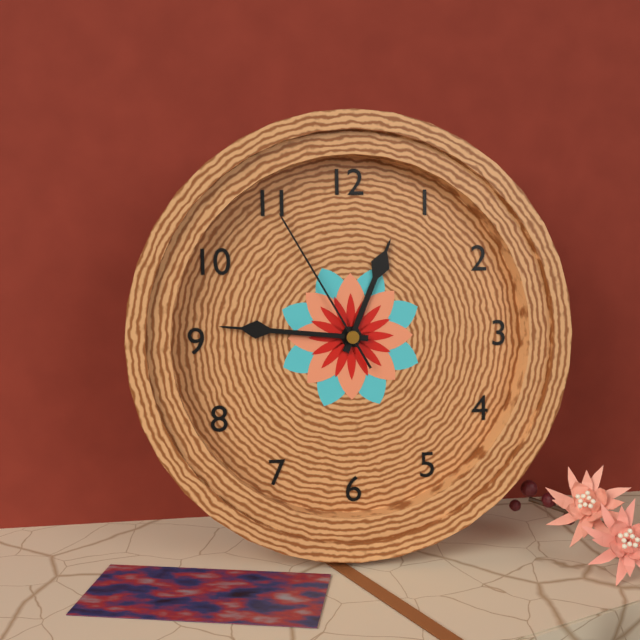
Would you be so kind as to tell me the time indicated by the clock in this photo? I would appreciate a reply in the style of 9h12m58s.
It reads 12h46m55s
